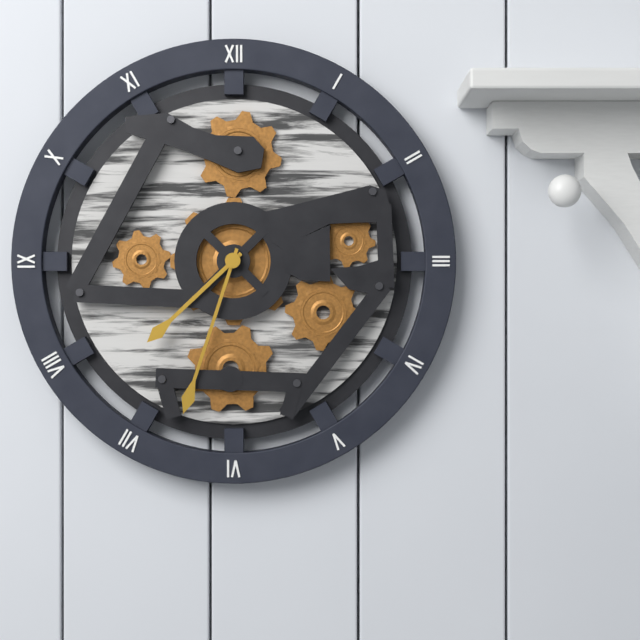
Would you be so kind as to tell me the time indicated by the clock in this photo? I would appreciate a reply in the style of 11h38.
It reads 7h33
